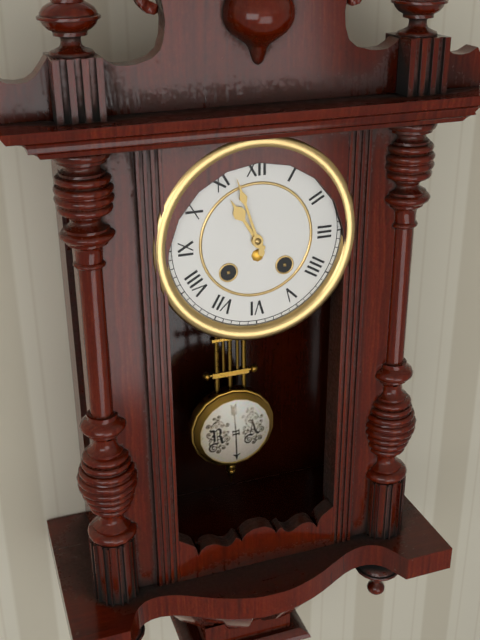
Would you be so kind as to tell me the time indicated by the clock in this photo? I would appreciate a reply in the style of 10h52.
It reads 10h57
